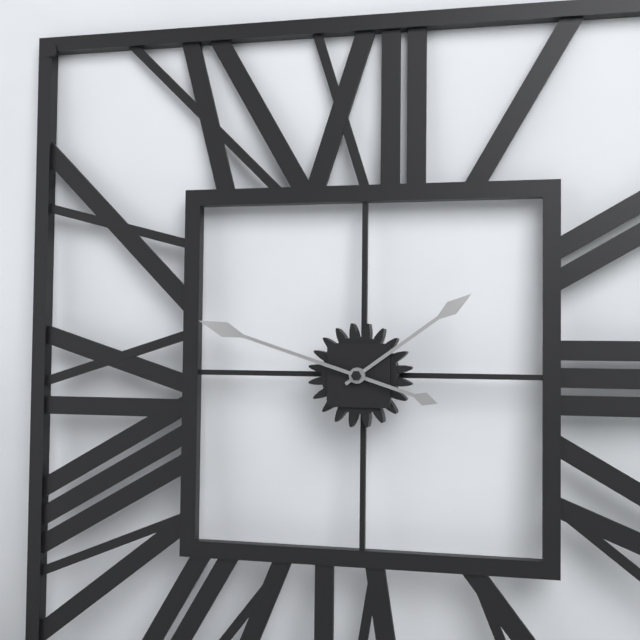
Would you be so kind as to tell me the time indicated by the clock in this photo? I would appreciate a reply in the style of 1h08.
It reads 1h48
